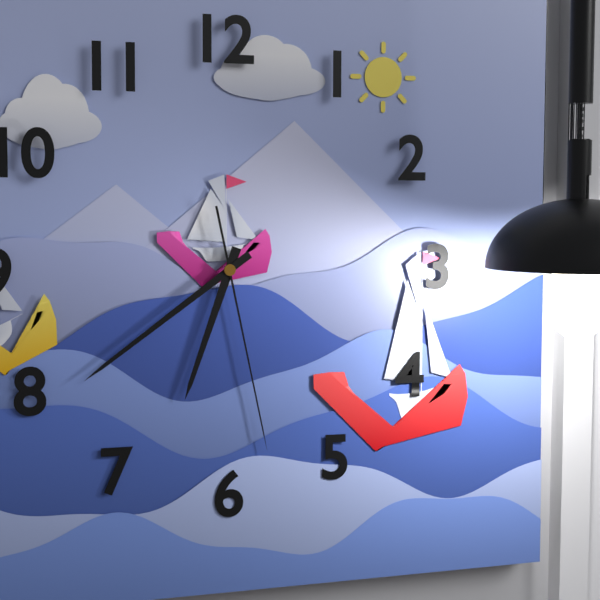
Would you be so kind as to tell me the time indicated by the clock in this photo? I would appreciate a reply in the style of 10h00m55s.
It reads 6h39m28s
